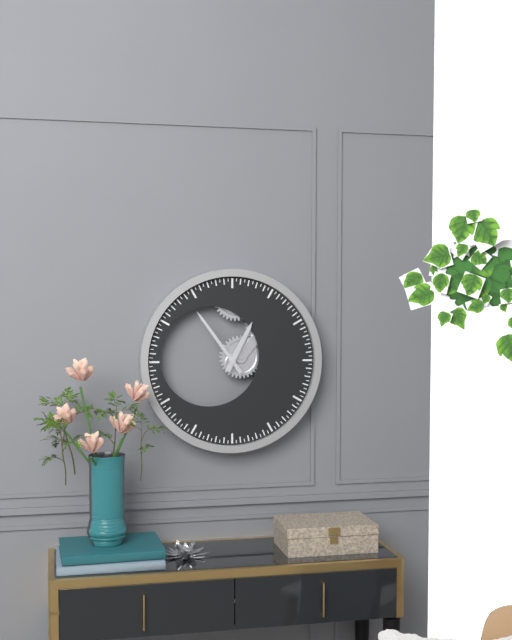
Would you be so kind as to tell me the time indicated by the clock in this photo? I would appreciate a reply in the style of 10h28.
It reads 12h54
